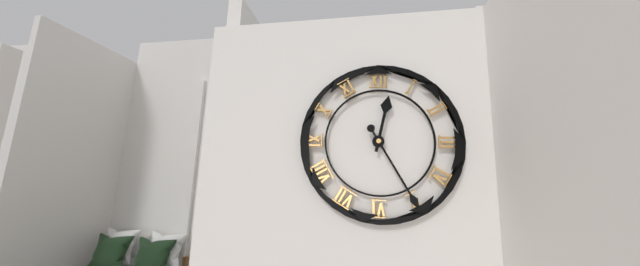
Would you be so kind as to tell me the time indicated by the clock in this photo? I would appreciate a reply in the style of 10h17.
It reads 12h25
